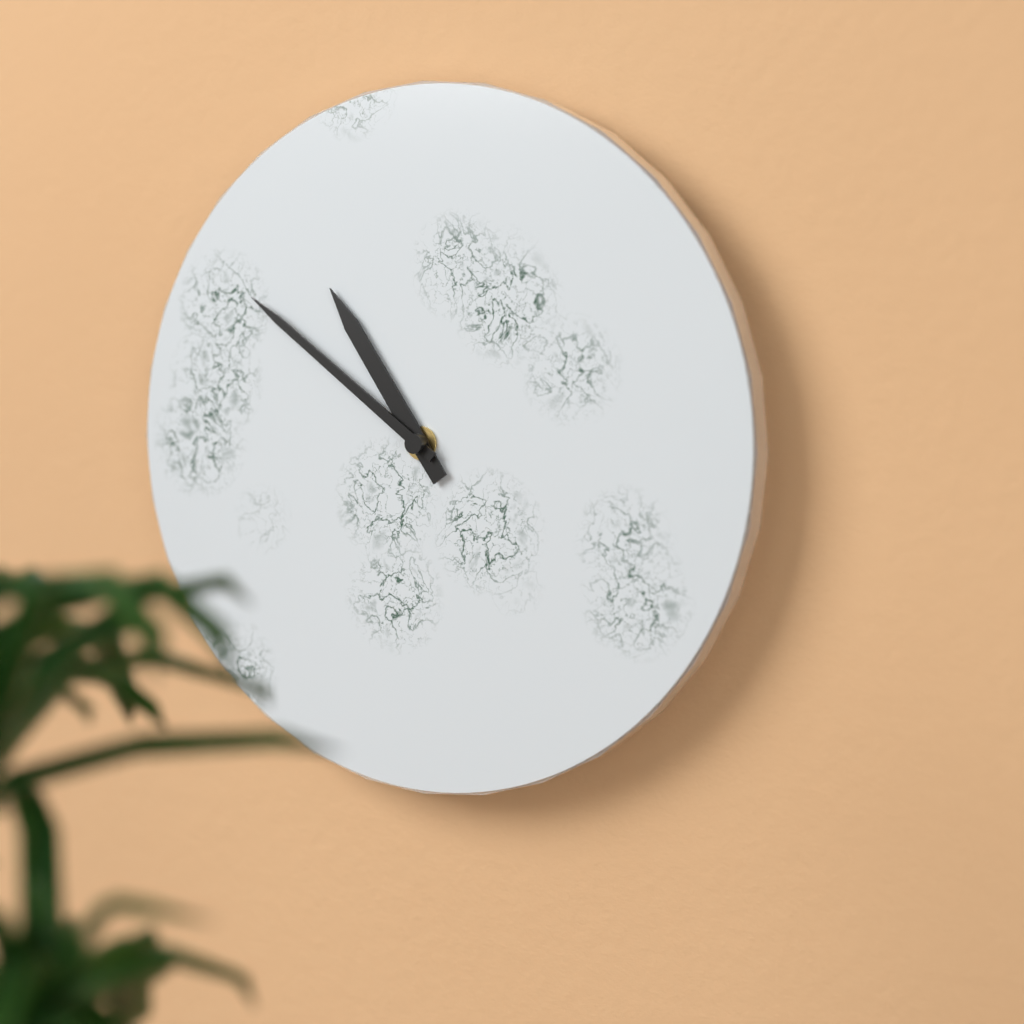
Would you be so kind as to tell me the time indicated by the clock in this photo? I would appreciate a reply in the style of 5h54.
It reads 10h51
